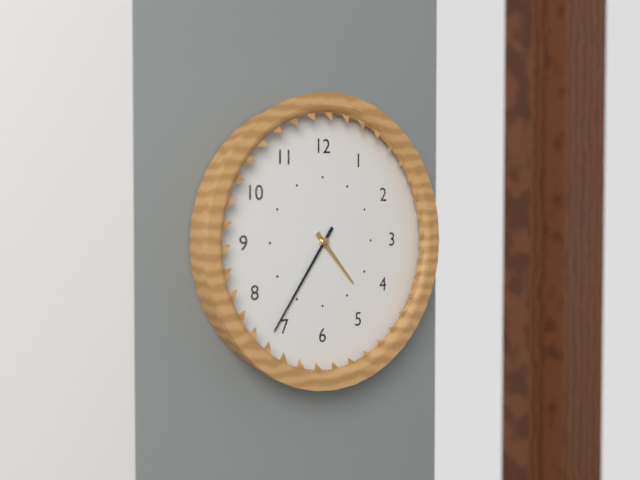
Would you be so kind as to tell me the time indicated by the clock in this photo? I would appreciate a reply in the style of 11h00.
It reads 4h36
